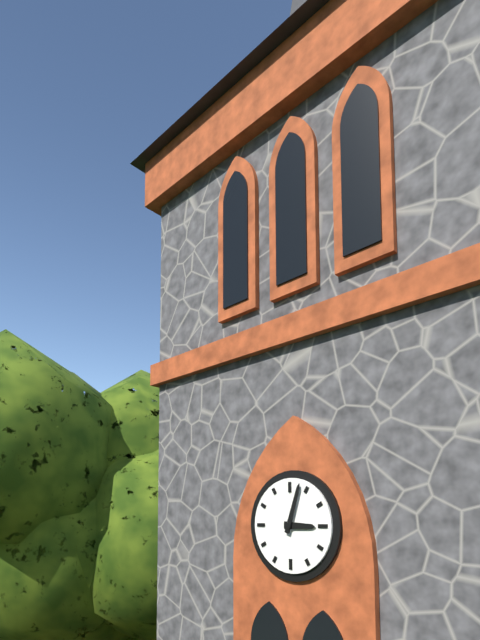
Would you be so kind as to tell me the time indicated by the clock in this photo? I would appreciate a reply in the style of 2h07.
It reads 3h03
